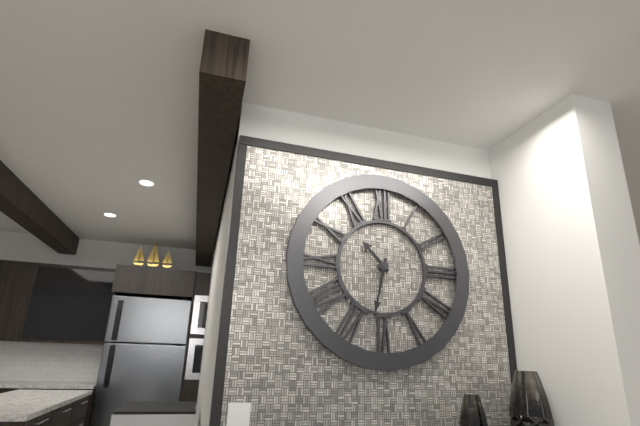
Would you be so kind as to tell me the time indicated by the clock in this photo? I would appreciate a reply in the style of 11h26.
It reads 10h32
